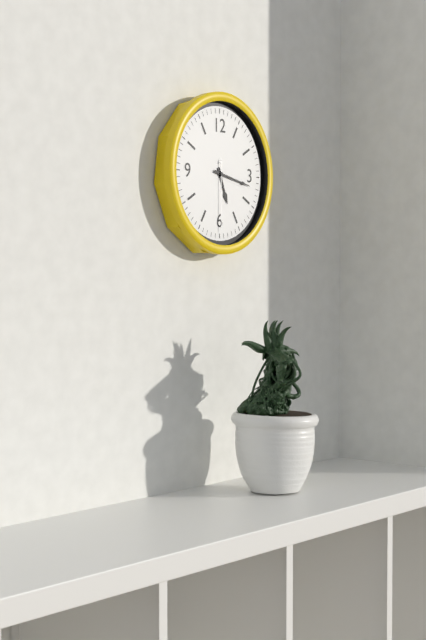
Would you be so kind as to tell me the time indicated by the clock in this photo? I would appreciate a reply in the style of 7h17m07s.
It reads 5h17m30s
